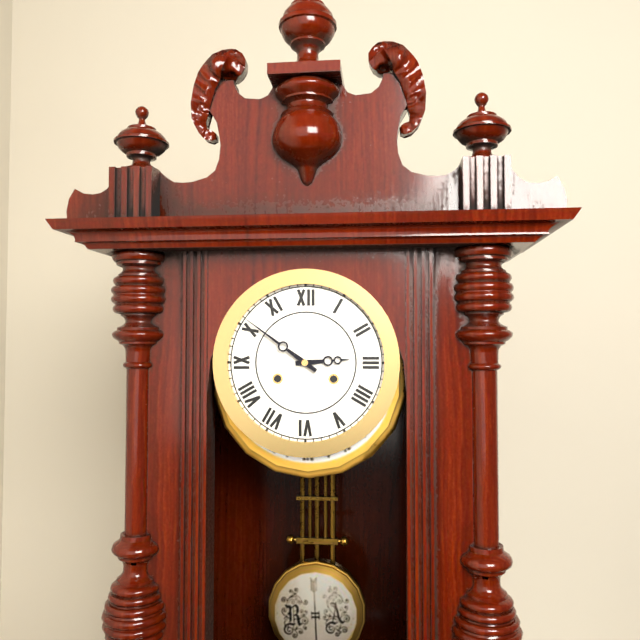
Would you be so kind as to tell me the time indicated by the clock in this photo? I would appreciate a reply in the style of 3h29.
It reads 2h51
